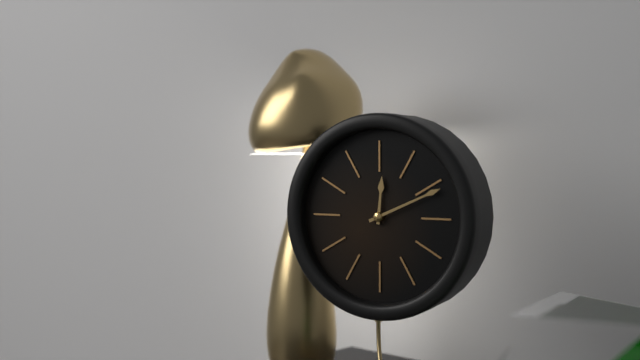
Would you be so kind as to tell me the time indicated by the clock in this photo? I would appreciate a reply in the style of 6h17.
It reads 12h11
